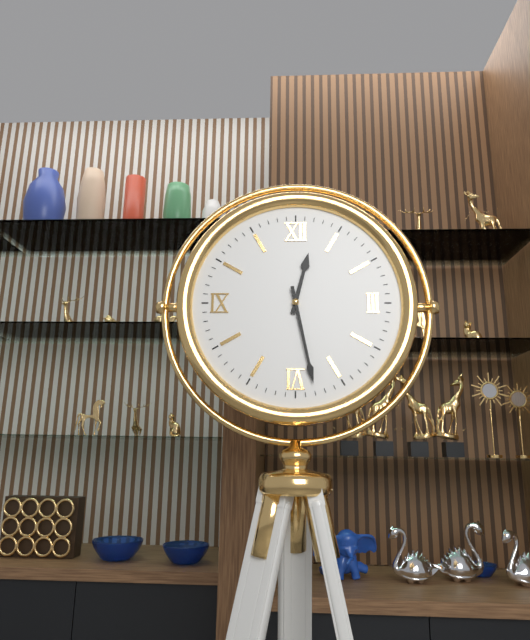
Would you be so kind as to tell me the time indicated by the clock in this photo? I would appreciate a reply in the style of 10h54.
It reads 12h28
